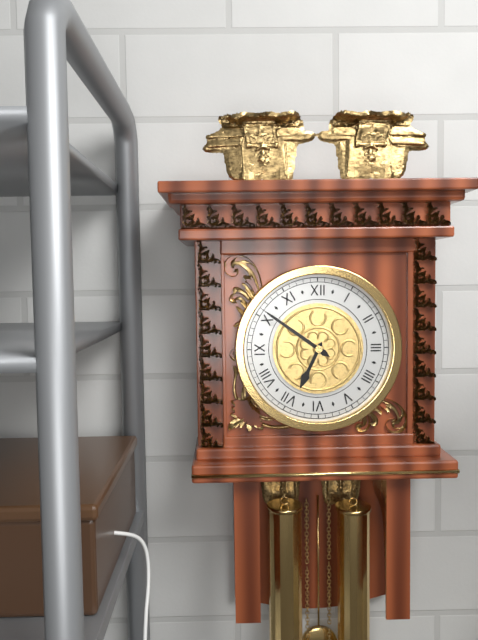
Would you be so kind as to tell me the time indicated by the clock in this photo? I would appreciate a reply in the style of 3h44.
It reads 6h51
